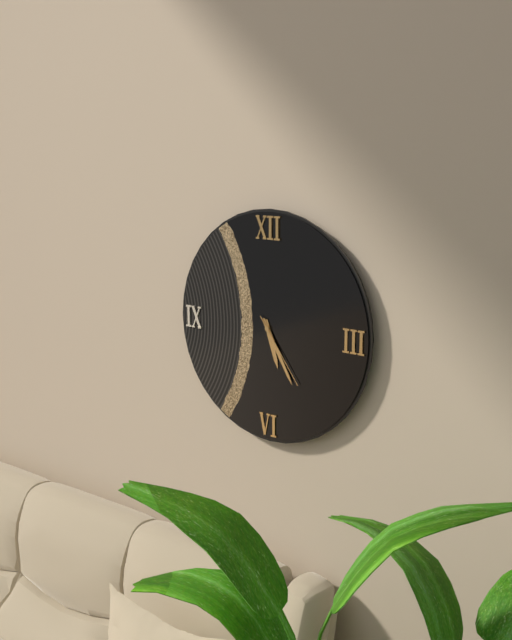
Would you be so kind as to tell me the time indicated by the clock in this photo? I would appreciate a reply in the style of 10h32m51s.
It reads 5h25m24s
